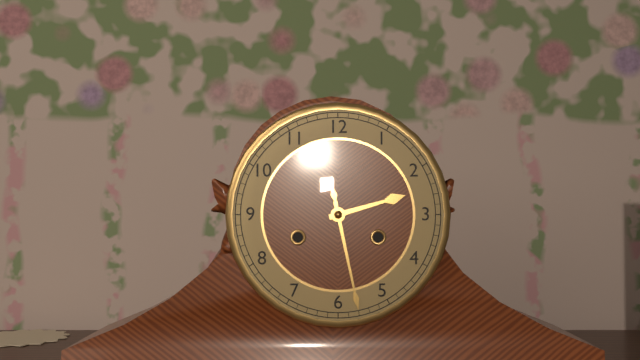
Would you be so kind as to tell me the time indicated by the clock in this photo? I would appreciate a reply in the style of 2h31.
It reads 2h28
